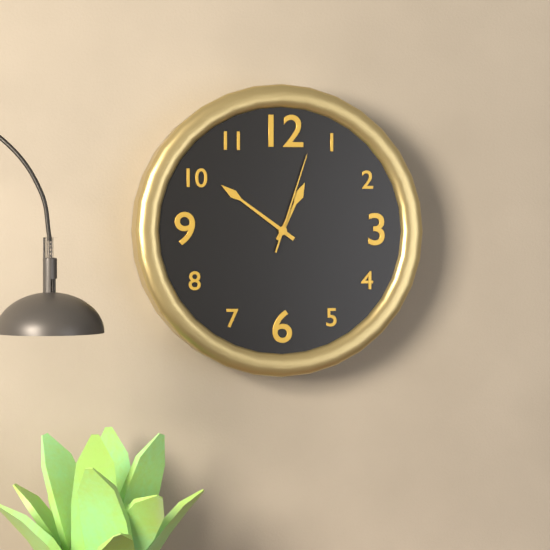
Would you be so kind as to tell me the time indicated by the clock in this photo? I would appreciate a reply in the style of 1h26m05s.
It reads 12h51m03s
